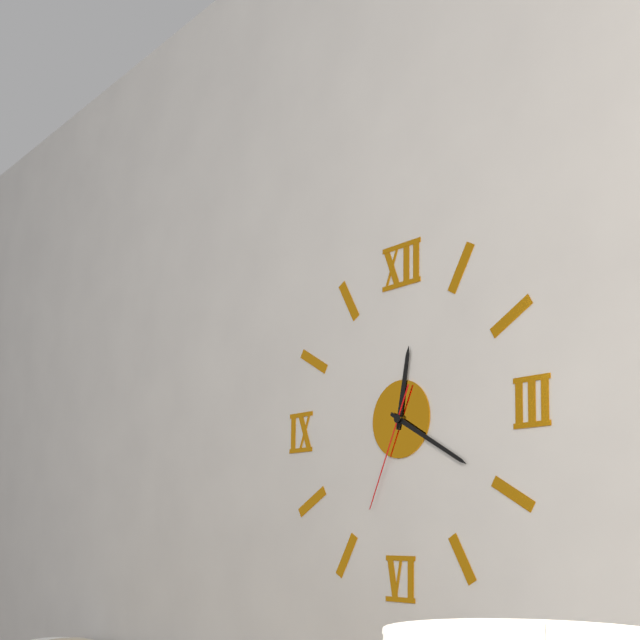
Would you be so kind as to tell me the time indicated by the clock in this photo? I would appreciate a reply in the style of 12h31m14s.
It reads 12h20m34s
